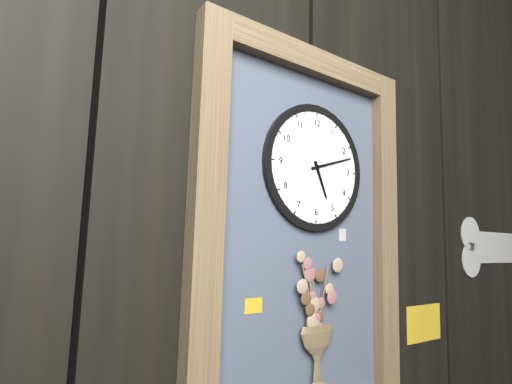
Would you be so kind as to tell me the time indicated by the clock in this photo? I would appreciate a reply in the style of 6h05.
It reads 5h12
